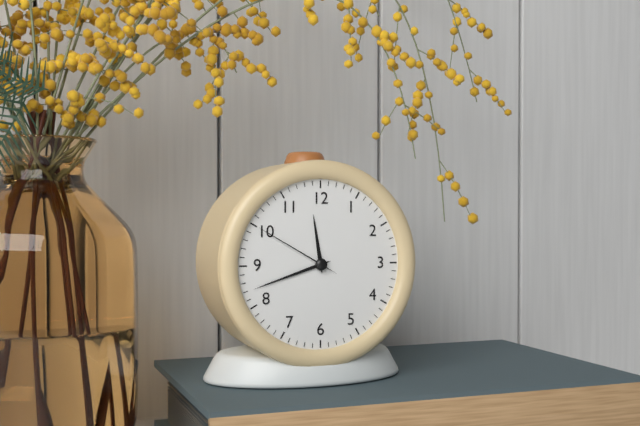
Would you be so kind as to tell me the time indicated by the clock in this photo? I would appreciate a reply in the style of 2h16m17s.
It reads 11h42m50s
